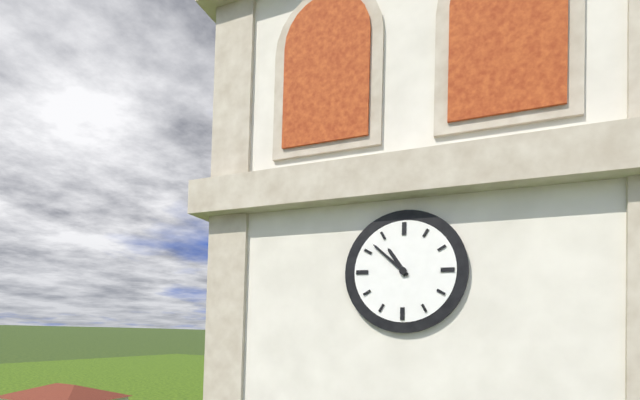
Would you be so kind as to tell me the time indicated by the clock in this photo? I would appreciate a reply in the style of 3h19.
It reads 10h52
